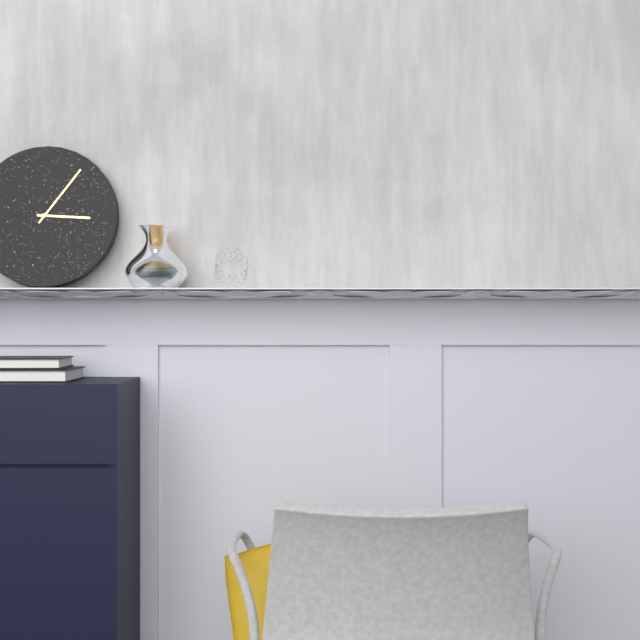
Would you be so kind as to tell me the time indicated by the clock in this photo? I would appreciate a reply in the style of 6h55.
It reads 3h06
